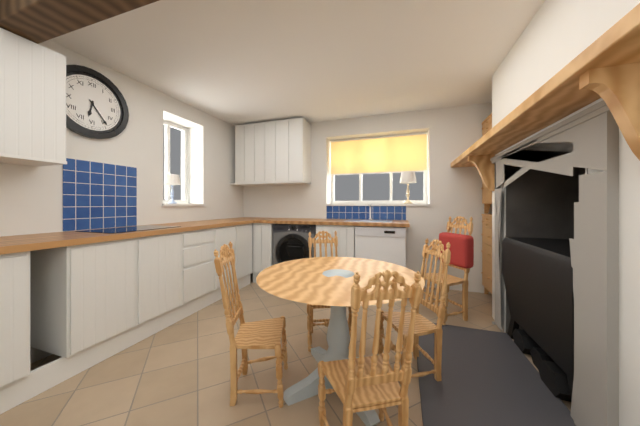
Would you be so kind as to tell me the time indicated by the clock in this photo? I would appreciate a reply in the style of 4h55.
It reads 6h24
